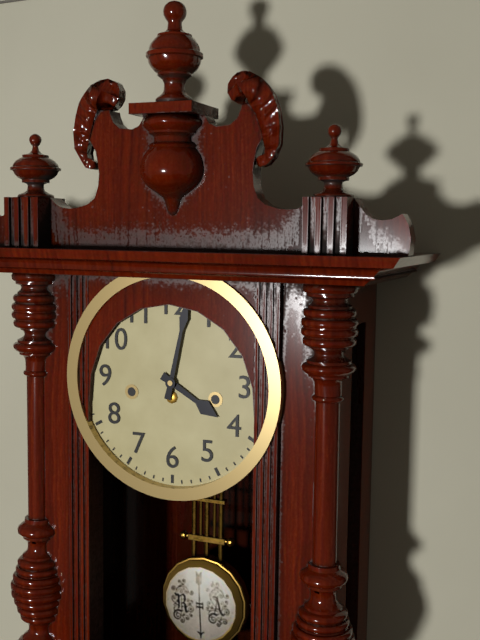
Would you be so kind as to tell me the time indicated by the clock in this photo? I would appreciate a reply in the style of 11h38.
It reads 4h02
